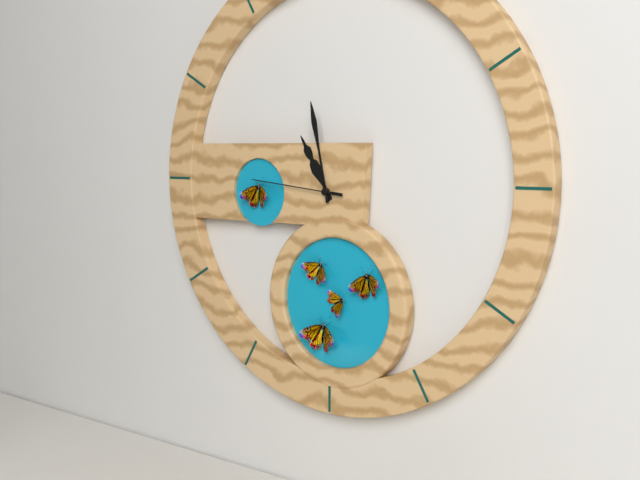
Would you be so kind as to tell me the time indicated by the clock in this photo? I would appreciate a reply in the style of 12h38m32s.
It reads 10h58m46s
